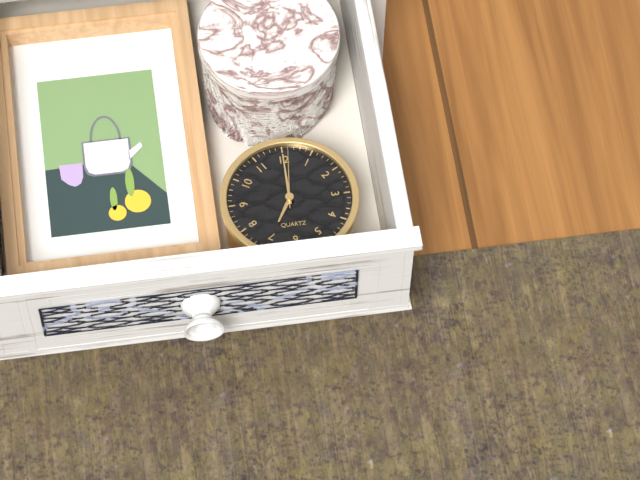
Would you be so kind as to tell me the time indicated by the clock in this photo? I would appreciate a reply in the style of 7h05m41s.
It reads 7h00m01s
